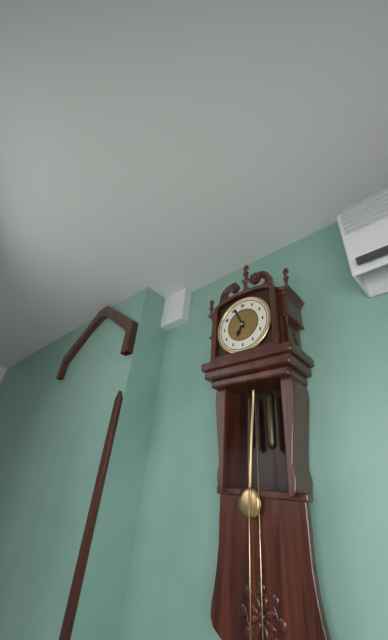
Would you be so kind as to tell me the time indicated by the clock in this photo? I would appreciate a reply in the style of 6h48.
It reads 6h56
